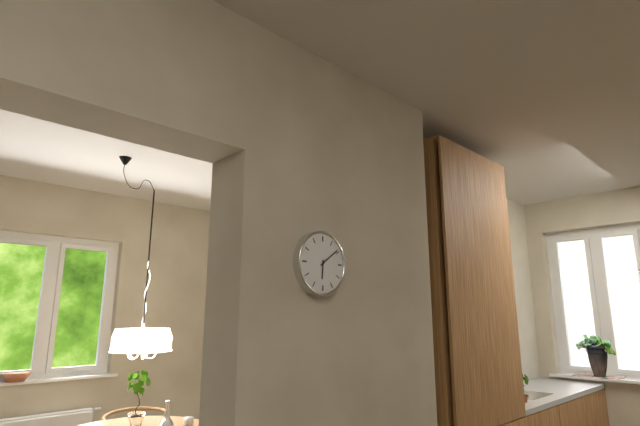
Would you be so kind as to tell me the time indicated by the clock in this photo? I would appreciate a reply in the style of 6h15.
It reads 6h09
